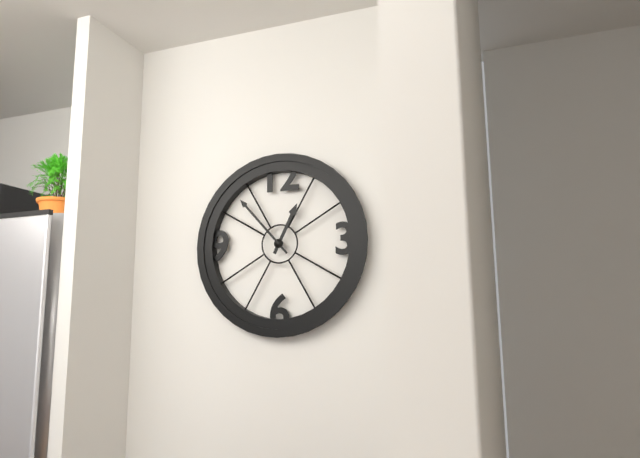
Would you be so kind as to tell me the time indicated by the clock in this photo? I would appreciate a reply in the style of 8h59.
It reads 12h53
